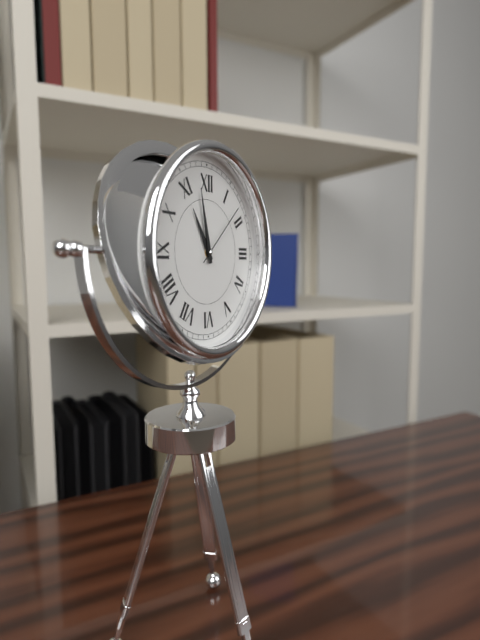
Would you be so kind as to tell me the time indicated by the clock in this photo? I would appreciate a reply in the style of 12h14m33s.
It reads 10h58m08s
